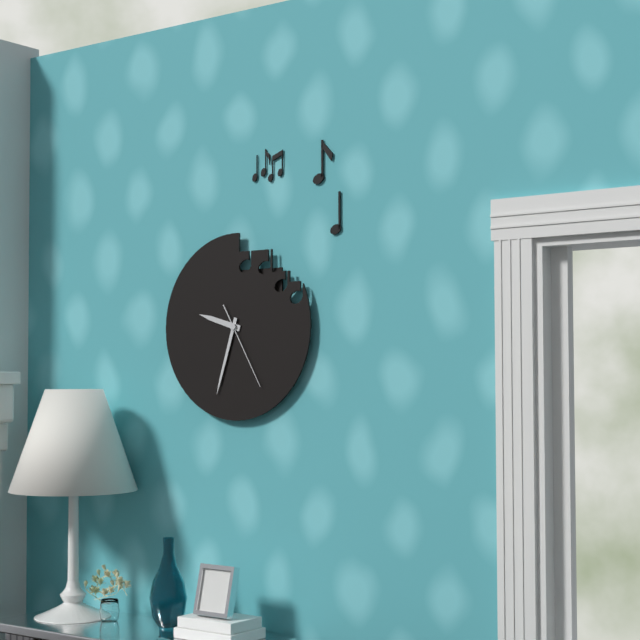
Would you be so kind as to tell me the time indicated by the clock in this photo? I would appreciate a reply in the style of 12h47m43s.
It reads 9h33m25s
